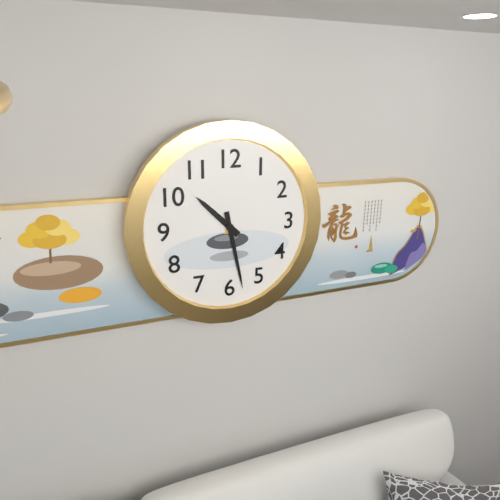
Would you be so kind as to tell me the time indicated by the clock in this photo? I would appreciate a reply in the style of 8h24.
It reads 10h28
